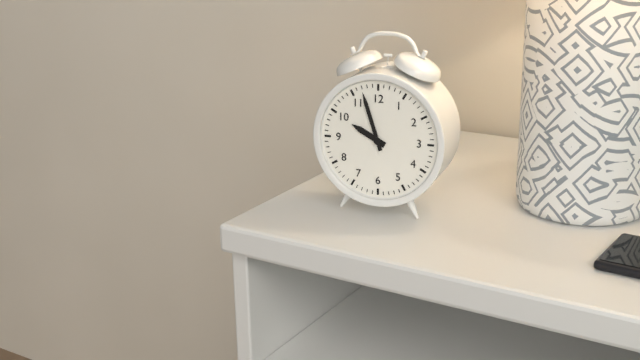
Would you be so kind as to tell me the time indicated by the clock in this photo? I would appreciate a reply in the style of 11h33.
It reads 9h57
